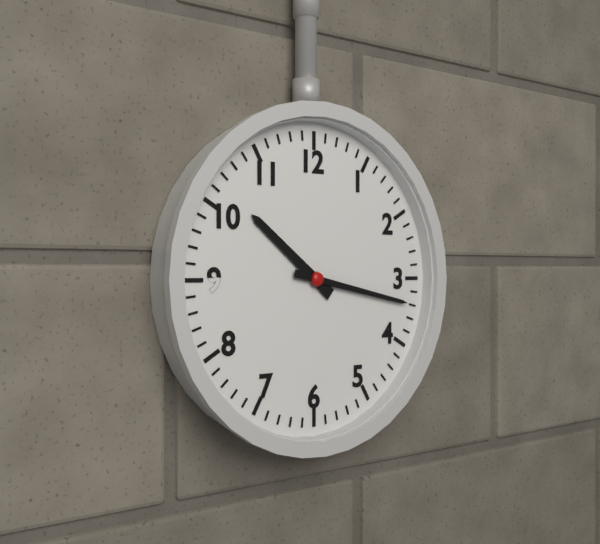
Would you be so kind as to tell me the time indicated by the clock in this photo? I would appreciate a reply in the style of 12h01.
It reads 10h17
